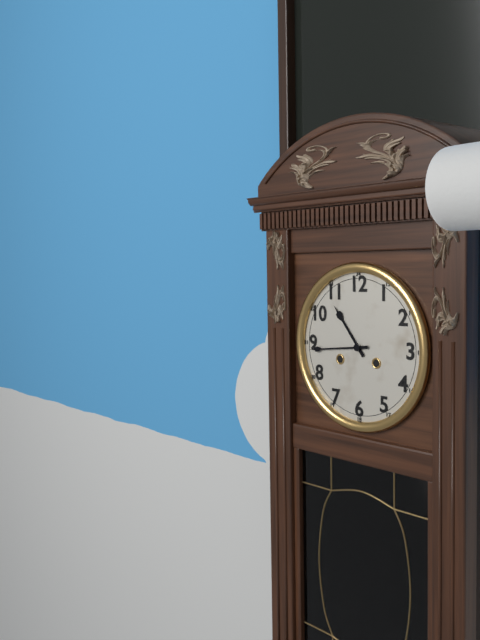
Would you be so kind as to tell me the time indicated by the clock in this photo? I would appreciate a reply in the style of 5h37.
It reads 10h44
